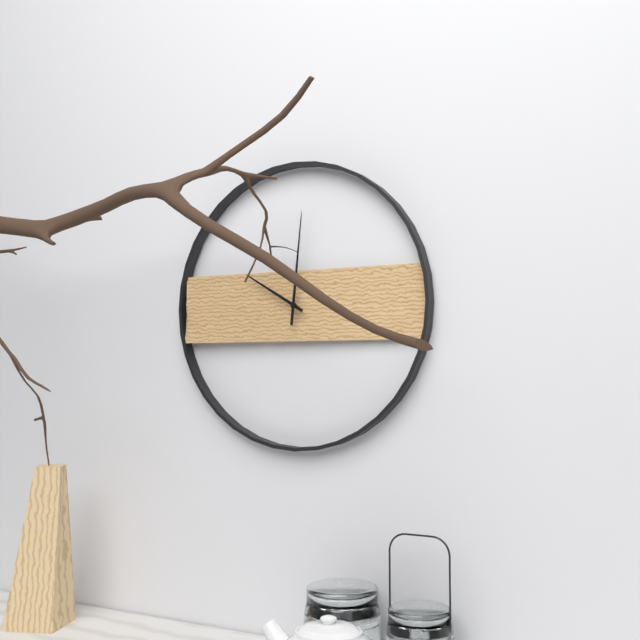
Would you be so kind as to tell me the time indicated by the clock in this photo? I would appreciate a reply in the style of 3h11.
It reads 10h01
